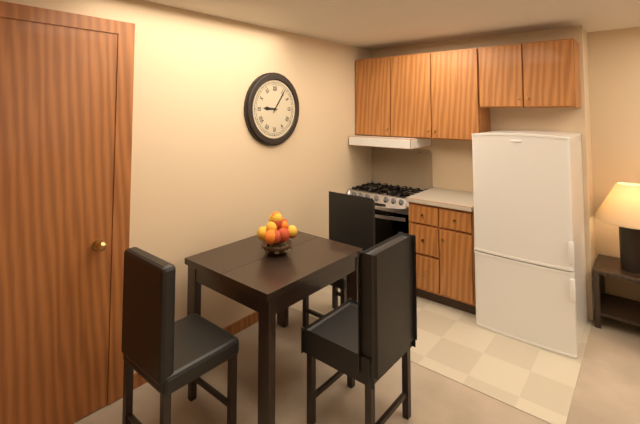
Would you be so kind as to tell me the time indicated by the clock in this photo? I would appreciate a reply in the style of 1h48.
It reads 9h06
